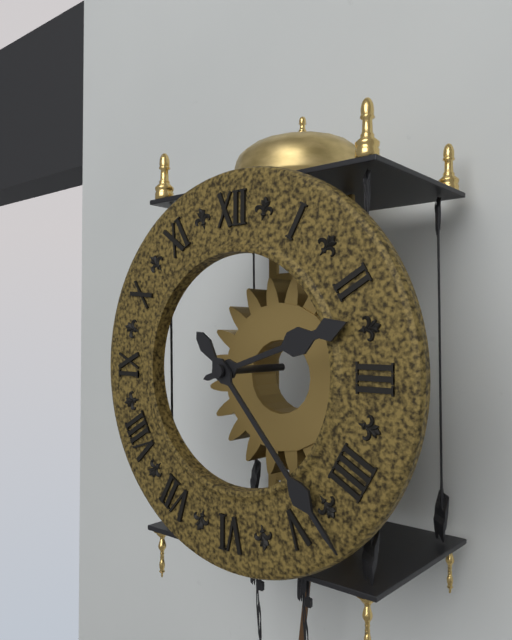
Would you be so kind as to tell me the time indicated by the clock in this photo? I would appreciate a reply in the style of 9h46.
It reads 2h23
